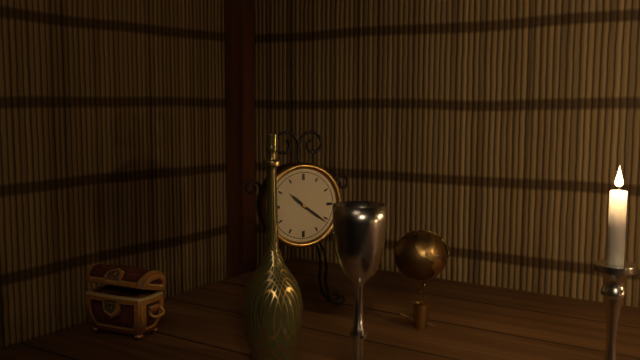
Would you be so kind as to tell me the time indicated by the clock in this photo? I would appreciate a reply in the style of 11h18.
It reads 10h21
